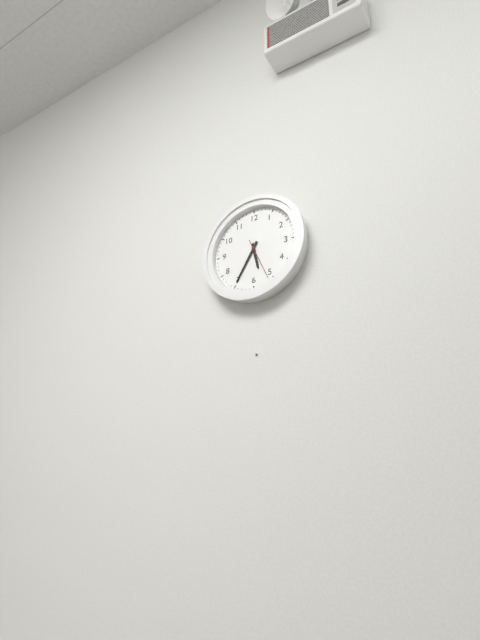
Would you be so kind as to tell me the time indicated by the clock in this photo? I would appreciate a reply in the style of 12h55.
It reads 5h35
